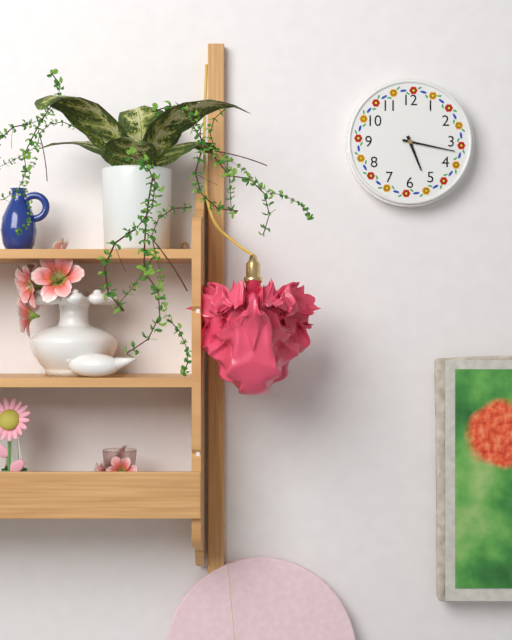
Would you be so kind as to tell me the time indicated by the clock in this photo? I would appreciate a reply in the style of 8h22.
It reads 5h17
